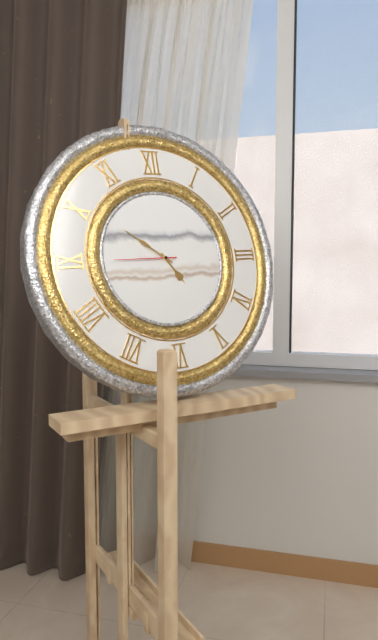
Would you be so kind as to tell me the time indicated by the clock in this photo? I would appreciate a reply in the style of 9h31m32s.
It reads 4h51m45s
